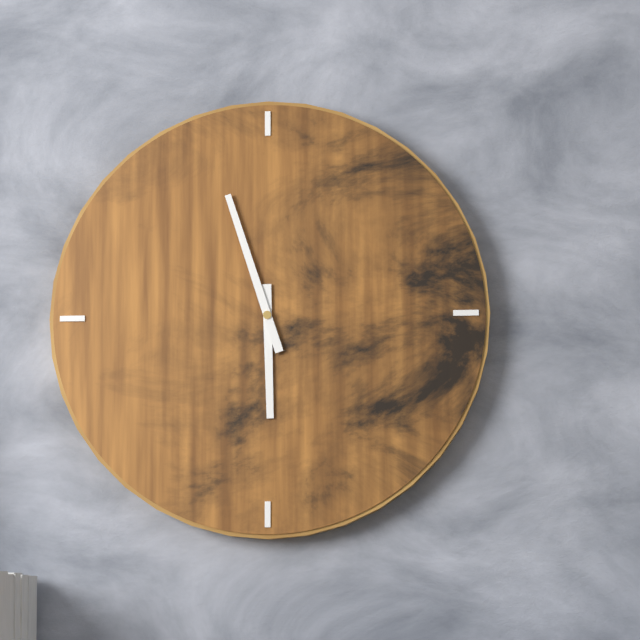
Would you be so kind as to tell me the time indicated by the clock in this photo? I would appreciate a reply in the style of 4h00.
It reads 5h57
